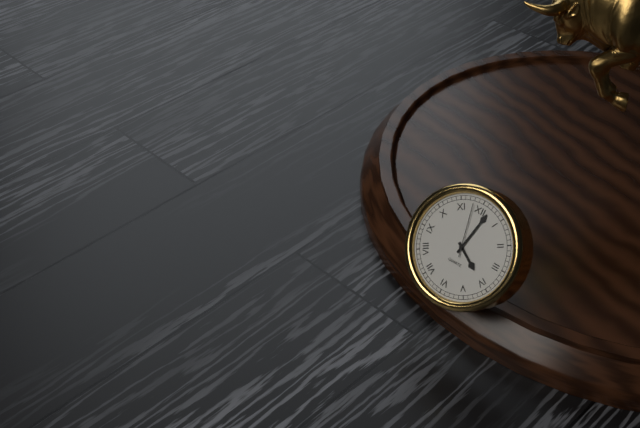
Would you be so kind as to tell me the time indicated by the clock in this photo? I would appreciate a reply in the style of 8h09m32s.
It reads 4h02m58s
